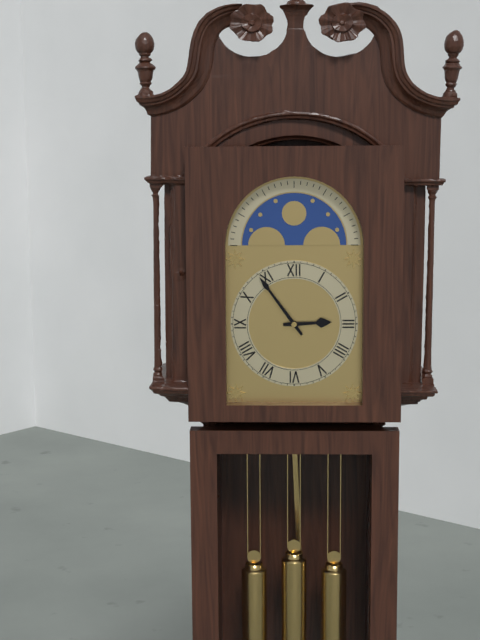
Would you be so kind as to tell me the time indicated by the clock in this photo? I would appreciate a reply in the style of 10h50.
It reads 2h54
